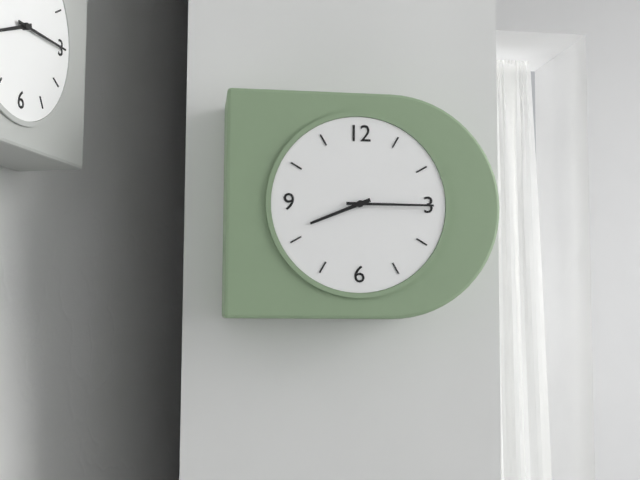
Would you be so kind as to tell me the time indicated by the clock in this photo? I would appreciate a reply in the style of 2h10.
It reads 8h15
